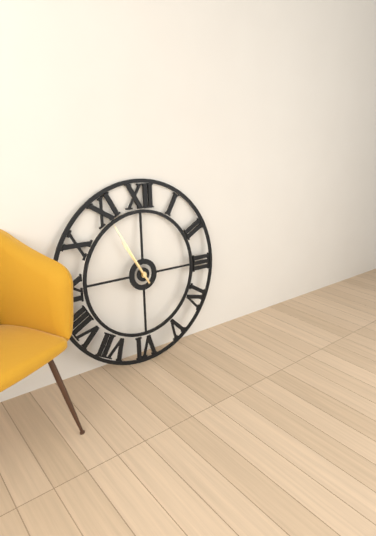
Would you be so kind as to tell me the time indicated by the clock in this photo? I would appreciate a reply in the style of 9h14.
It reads 10h55
